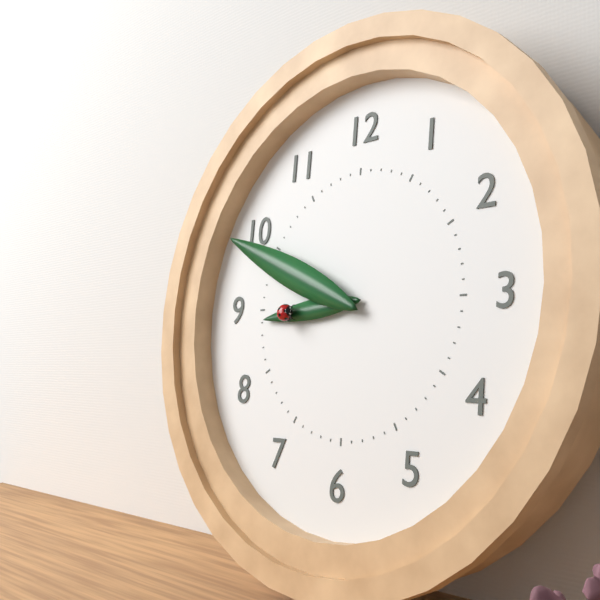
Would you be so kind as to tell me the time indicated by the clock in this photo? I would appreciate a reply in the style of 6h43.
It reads 8h49
